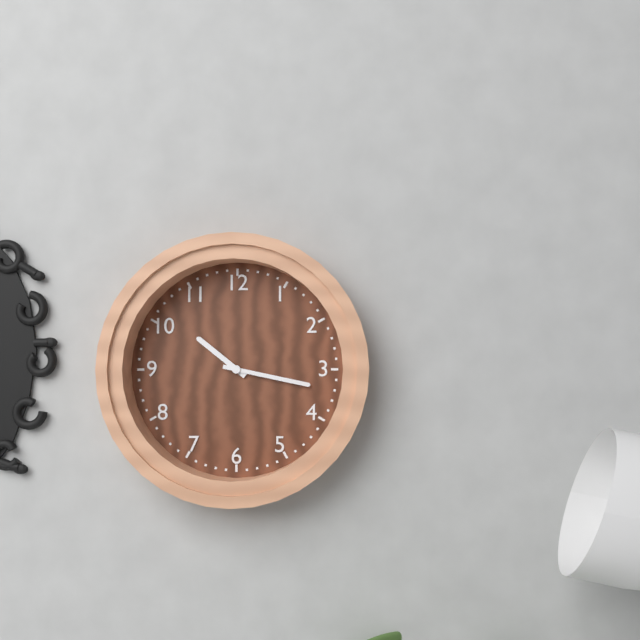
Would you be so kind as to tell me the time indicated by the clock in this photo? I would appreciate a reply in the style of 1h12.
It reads 10h17
